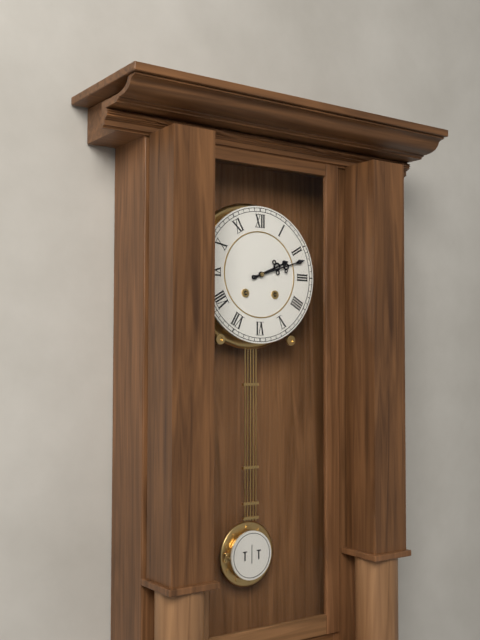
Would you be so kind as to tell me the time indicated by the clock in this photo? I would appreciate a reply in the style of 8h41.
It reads 2h12
